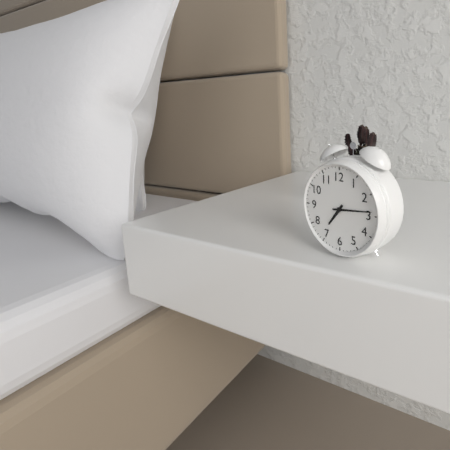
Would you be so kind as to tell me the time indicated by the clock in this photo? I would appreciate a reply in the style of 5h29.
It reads 7h14
